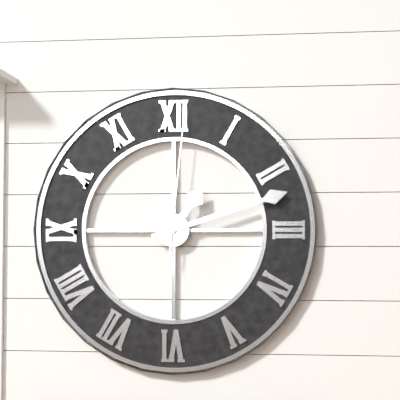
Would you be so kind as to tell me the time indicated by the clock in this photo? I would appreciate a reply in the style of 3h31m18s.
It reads 1h12m01s
